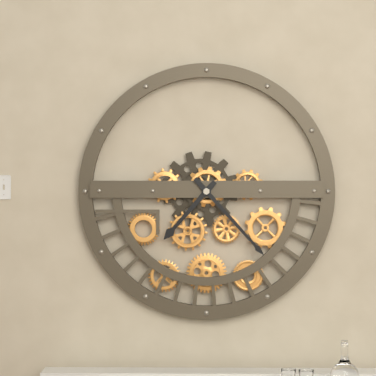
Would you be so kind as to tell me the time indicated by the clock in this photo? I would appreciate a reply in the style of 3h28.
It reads 7h23
